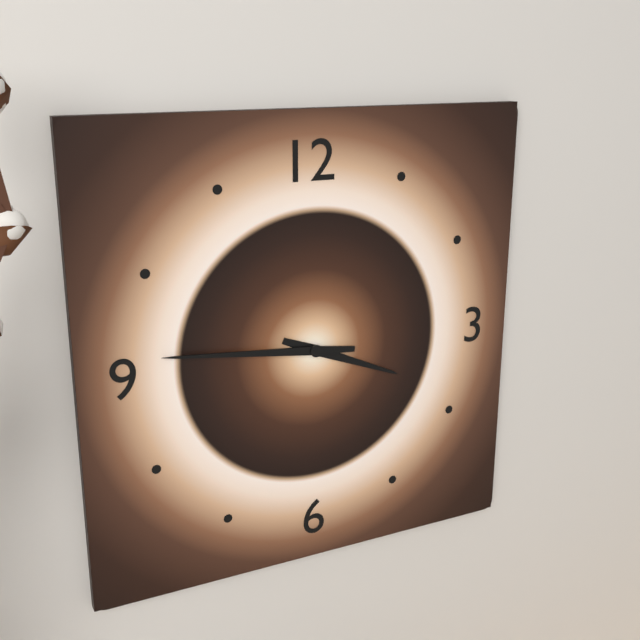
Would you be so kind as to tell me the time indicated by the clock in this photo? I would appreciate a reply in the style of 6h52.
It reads 3h46
